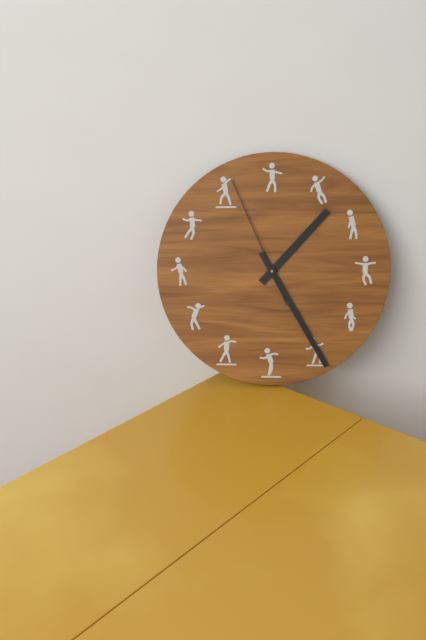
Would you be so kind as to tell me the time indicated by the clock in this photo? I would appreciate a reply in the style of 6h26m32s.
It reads 1h25m56s
